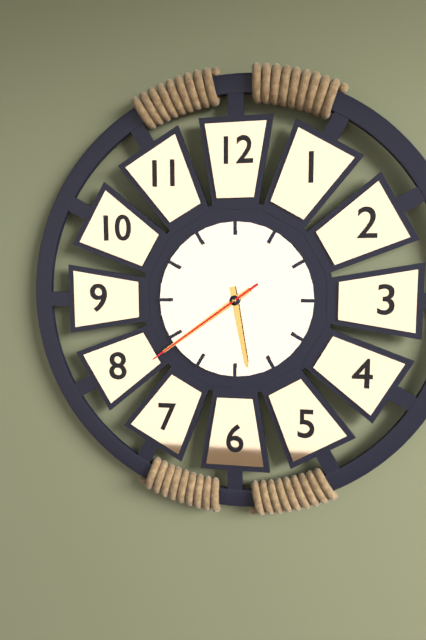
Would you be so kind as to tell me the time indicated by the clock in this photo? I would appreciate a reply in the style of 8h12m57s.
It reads 5h39m39s
